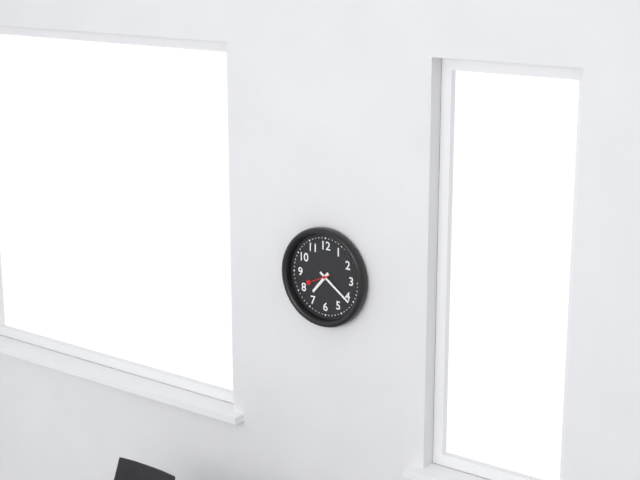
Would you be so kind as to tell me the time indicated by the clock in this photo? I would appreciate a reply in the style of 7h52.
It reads 7h21
